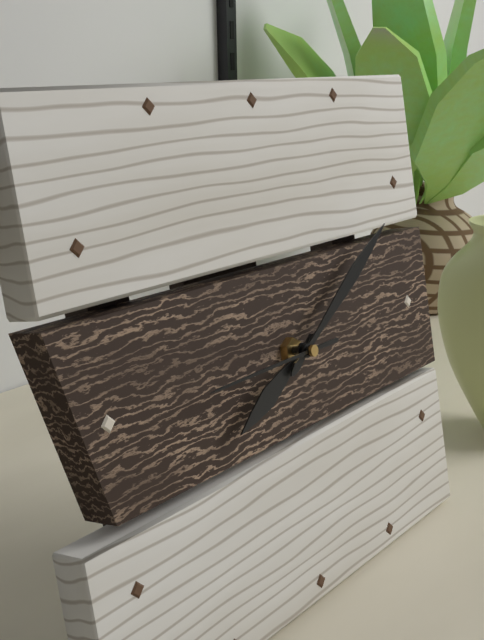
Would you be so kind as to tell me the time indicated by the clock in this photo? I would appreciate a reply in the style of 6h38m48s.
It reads 8h10m45s
